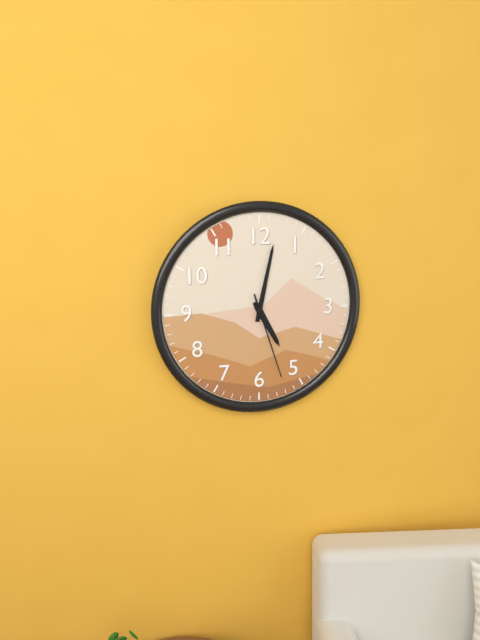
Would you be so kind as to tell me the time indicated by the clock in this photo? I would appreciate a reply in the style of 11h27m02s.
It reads 5h02m27s
